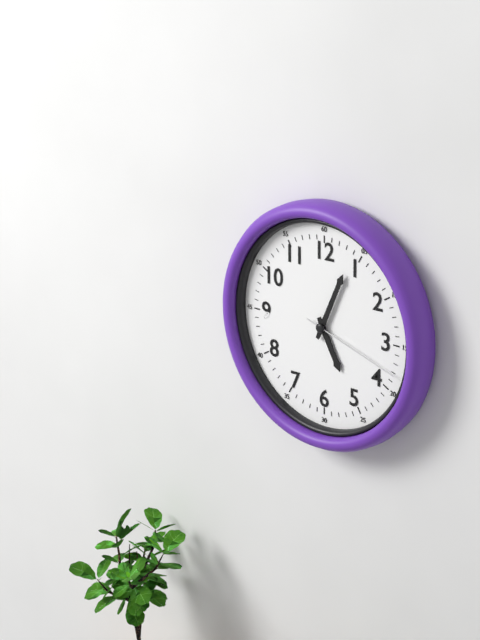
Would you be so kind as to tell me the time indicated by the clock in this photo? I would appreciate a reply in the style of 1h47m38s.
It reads 5h04m18s
